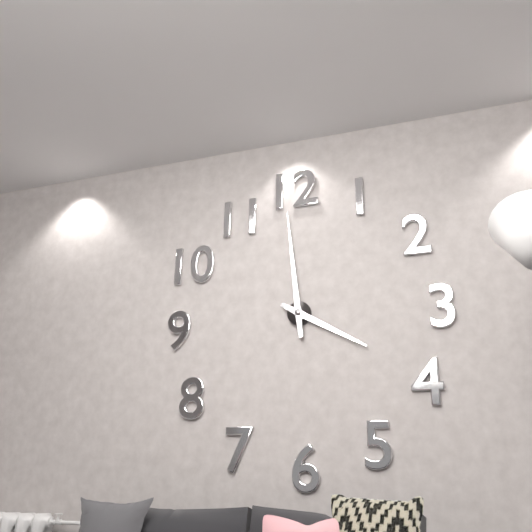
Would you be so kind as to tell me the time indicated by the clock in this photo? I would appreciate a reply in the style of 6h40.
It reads 3h59
